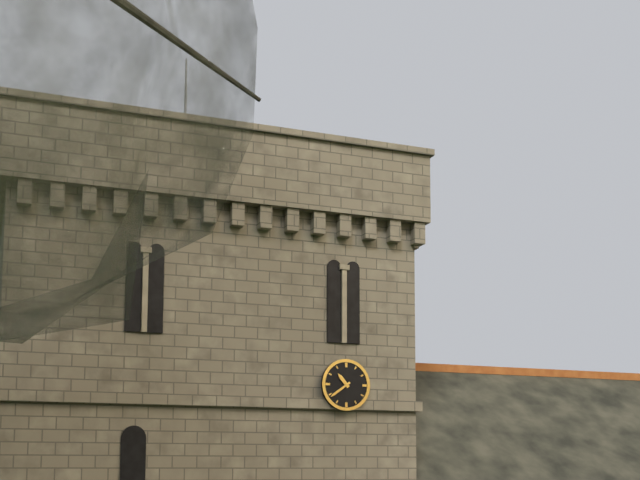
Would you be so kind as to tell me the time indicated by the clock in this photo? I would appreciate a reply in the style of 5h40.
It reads 10h39
